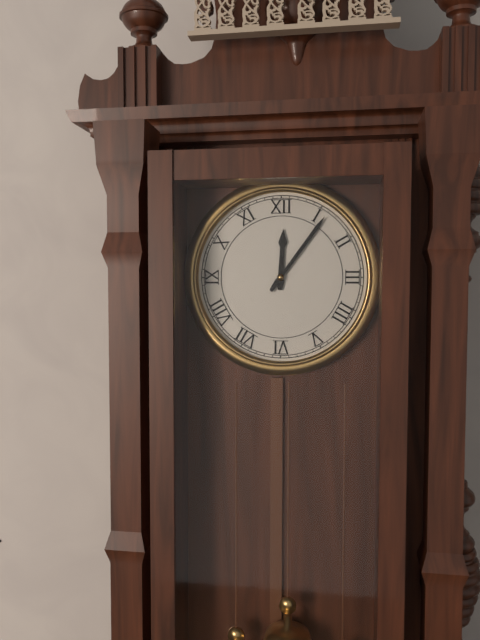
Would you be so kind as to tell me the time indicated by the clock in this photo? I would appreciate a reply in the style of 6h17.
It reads 12h06
